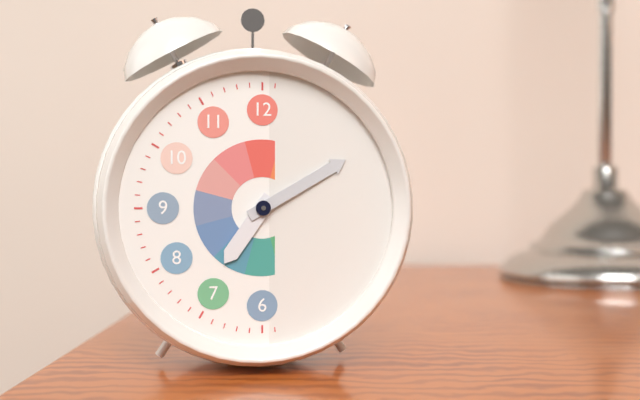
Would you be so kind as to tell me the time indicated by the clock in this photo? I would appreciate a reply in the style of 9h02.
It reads 7h10
